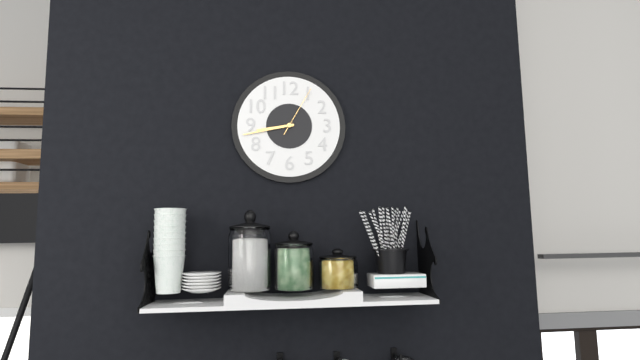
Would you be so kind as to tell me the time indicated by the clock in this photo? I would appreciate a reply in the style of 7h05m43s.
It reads 8h43m05s
